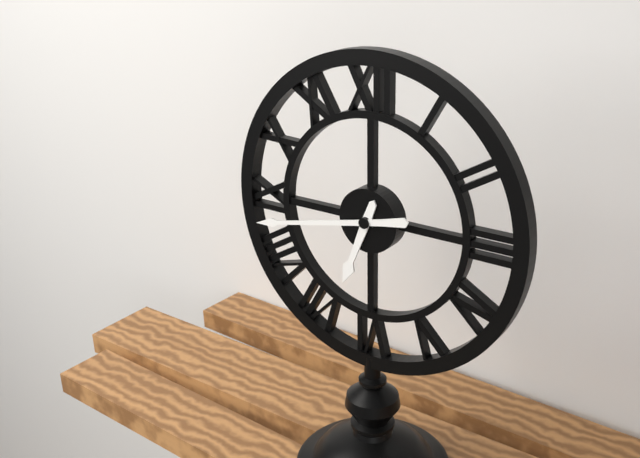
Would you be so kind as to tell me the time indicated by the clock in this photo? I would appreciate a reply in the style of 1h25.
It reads 6h43
